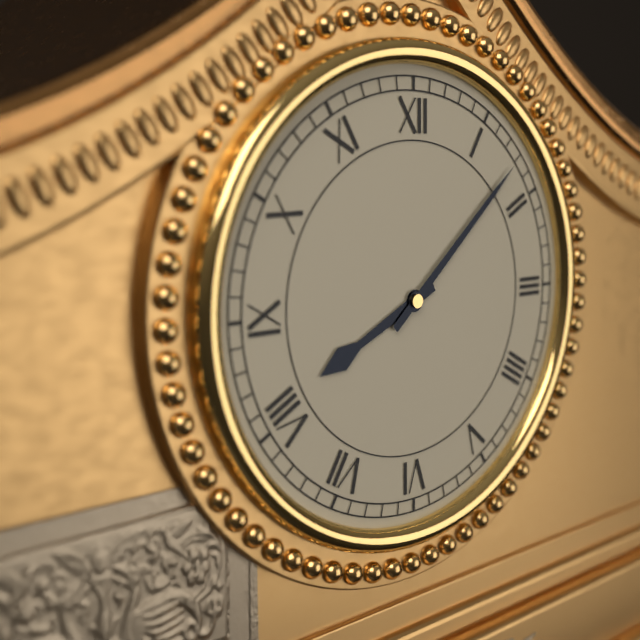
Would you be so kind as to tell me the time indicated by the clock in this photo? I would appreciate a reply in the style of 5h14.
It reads 8h08
